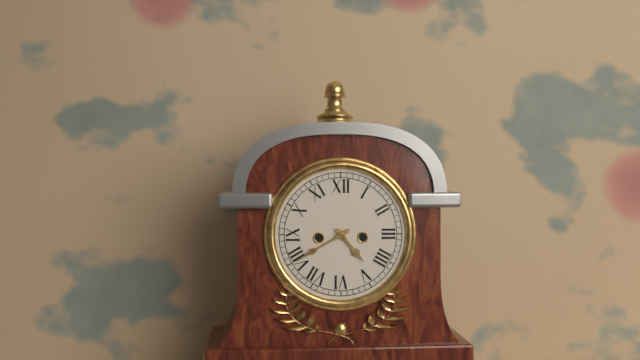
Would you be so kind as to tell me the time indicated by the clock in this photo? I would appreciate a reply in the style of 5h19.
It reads 4h40
